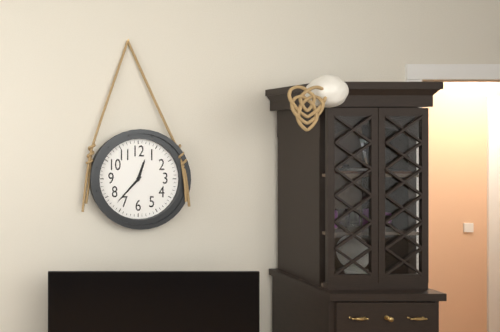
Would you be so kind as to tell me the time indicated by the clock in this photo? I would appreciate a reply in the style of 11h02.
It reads 12h37
